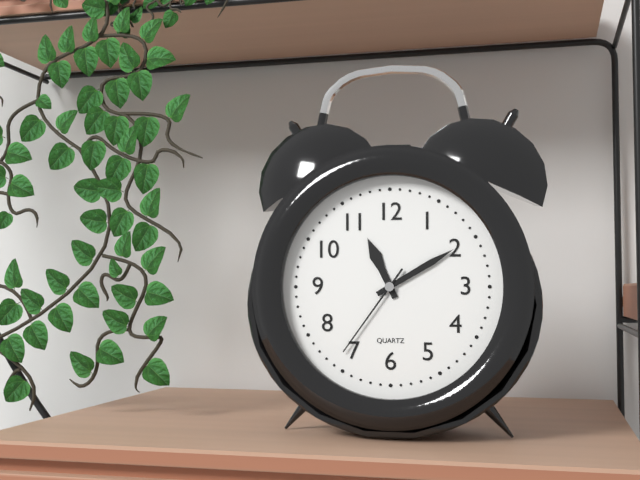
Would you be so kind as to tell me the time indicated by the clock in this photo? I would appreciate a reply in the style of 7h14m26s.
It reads 11h10m36s
